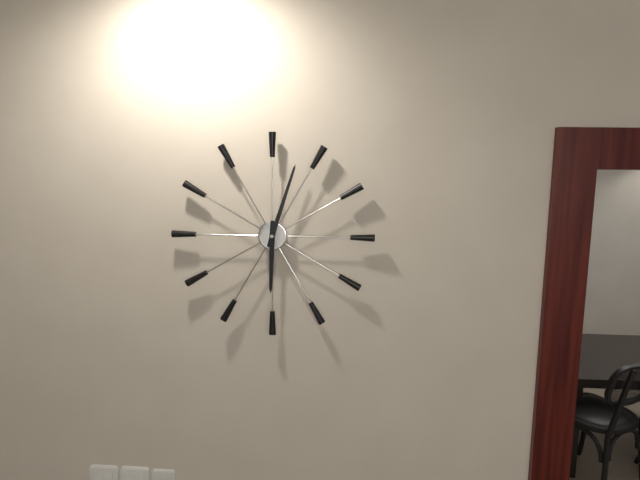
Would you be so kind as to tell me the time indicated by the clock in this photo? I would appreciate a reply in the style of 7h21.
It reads 6h03
